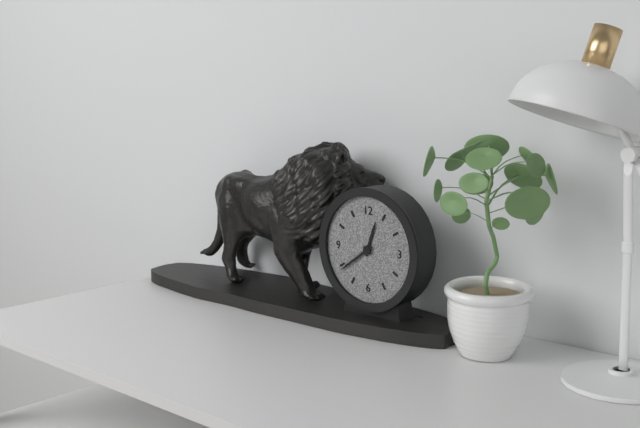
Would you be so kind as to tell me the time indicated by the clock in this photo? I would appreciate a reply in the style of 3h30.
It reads 12h39
